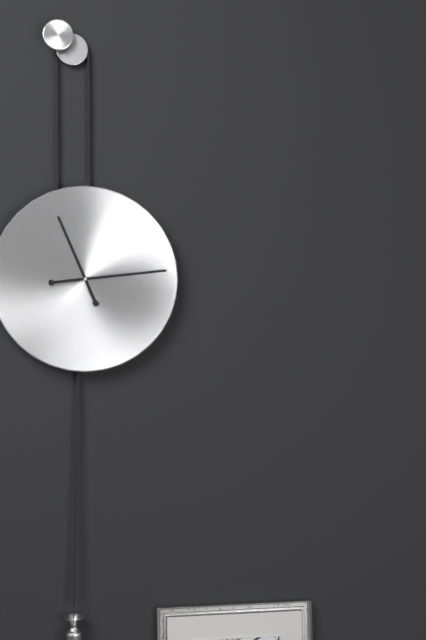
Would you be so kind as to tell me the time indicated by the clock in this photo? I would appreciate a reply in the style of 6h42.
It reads 11h14
